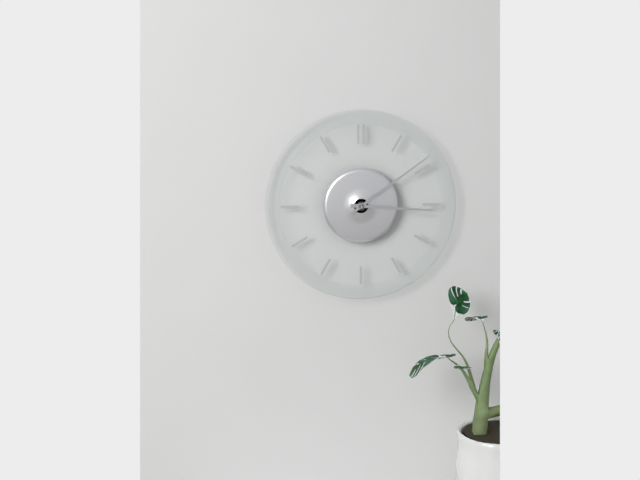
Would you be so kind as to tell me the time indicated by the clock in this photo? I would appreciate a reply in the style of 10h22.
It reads 3h09
